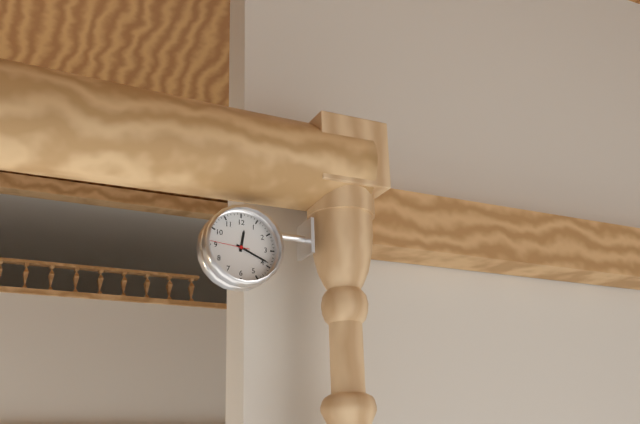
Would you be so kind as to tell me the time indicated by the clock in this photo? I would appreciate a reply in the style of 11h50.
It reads 12h19
